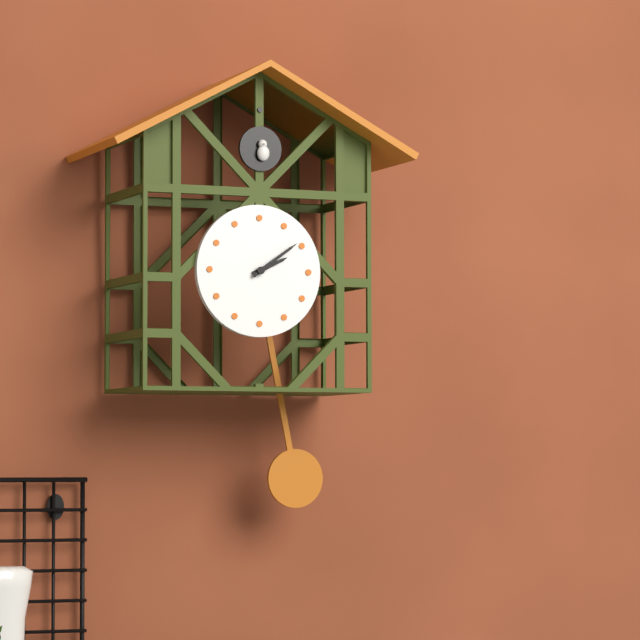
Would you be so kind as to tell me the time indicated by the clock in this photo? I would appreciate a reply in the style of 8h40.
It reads 2h09
